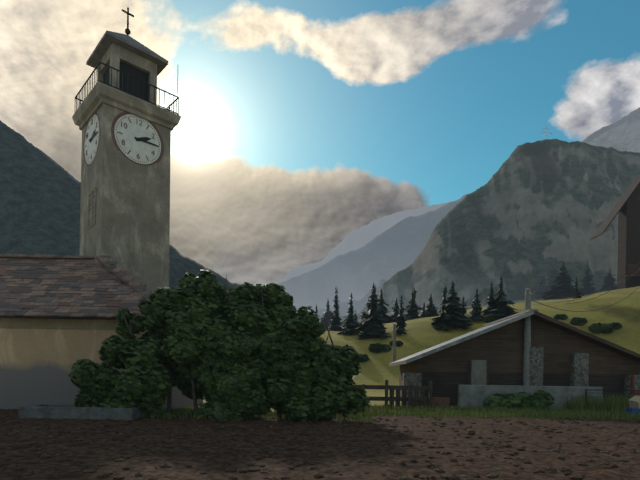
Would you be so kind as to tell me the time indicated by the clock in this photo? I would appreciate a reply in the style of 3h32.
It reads 2h15
